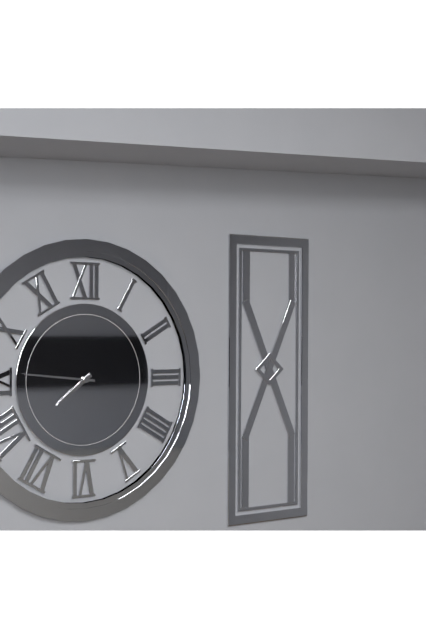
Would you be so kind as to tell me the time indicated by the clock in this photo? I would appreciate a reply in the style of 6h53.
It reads 7h46
